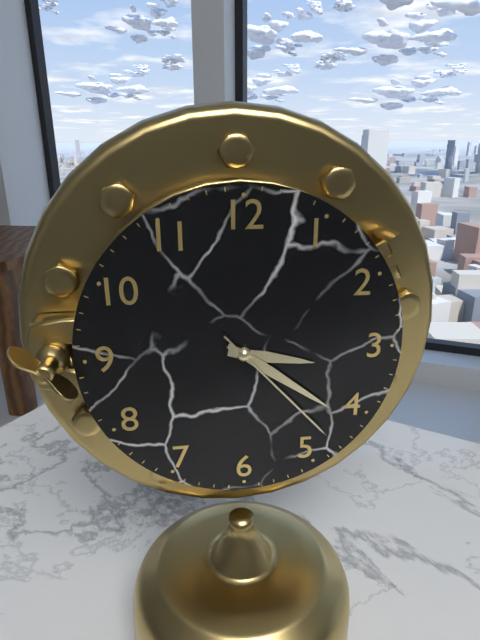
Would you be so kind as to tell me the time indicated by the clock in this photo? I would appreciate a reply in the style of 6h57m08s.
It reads 3h21m23s
